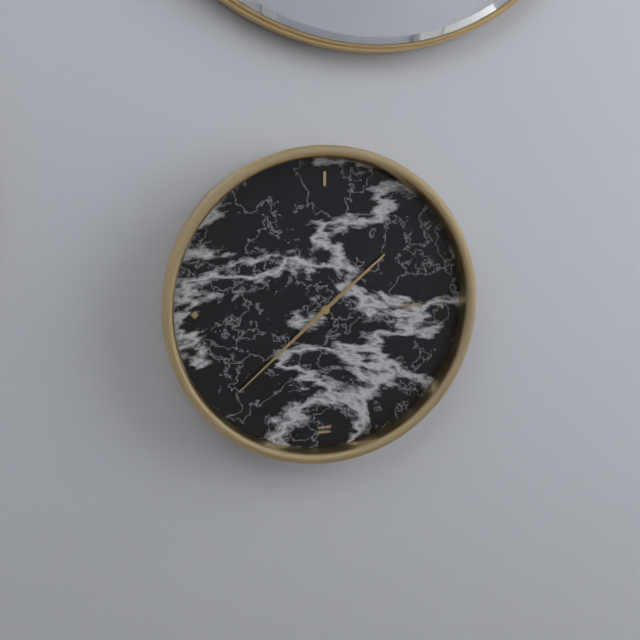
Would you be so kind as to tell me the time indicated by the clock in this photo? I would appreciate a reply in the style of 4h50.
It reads 1h38
